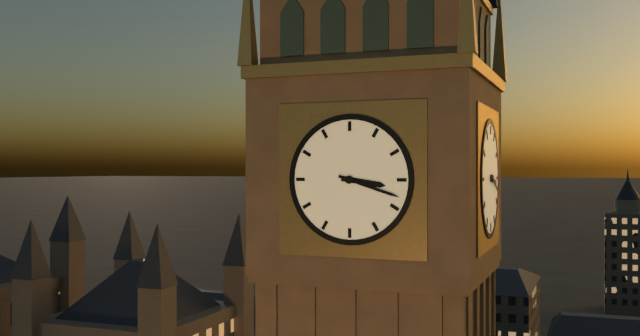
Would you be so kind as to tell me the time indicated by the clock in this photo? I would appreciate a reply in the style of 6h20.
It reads 3h18
